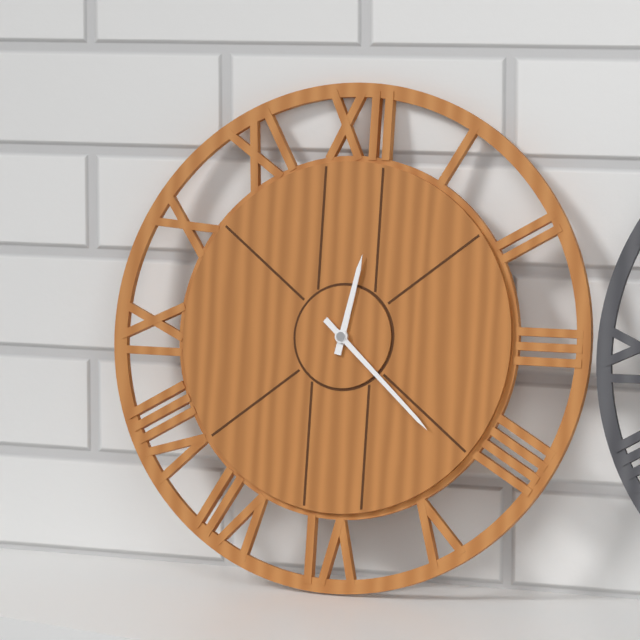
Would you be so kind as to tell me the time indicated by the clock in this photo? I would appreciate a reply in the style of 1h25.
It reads 12h22
